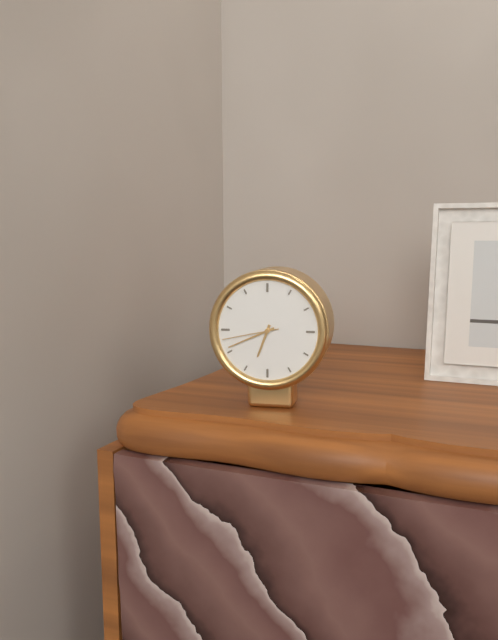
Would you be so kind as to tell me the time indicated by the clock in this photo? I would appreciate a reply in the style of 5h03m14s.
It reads 6h41m43s
